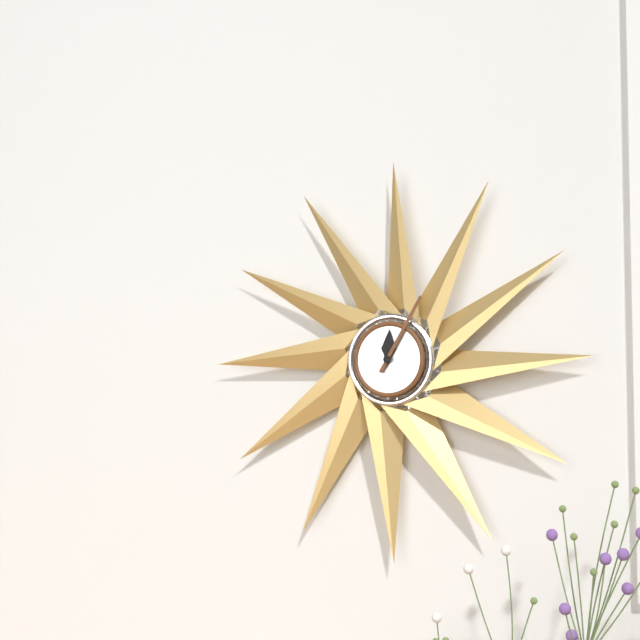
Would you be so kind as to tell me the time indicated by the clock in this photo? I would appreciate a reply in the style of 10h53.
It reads 12h05
